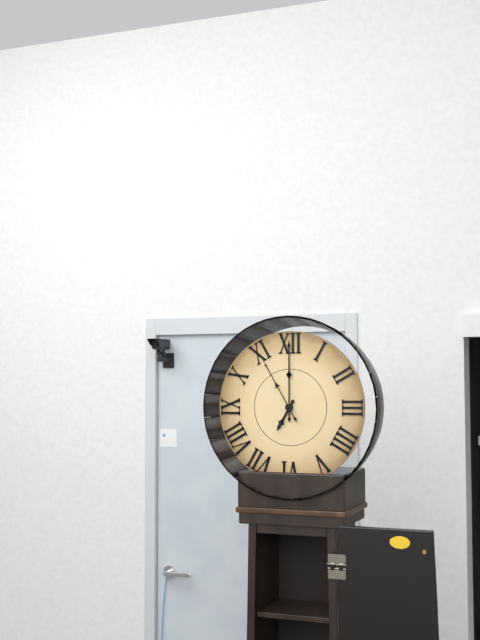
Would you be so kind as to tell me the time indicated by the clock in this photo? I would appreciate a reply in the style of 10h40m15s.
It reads 7h00m55s
